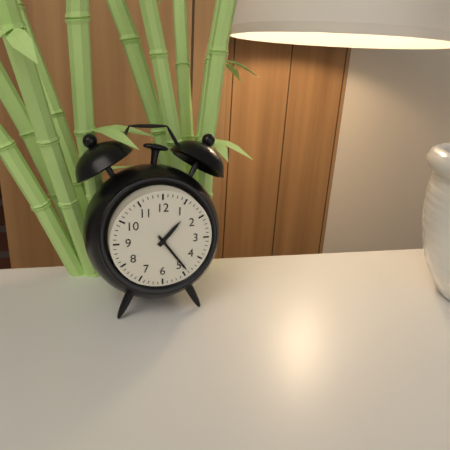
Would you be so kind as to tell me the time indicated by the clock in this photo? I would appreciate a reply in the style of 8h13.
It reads 1h24
